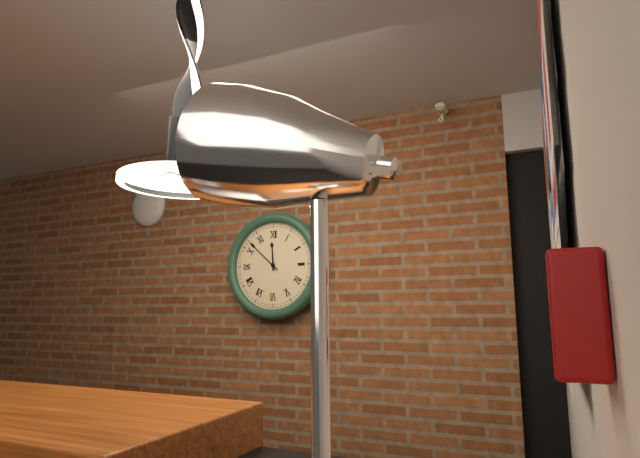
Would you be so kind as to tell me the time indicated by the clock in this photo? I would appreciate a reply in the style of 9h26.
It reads 11h52
